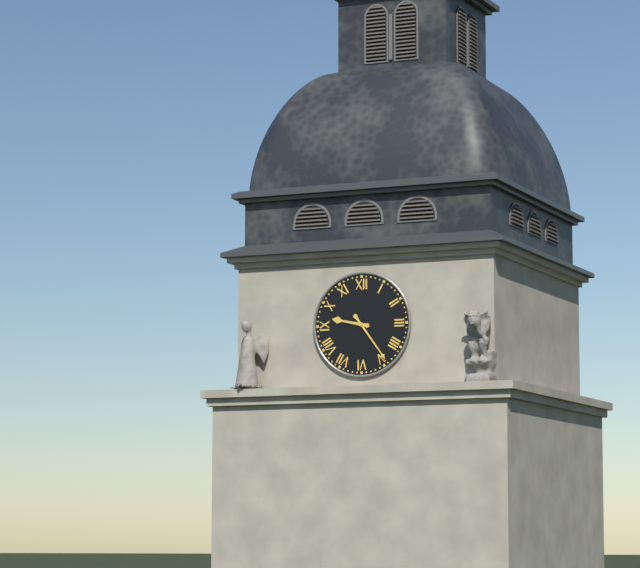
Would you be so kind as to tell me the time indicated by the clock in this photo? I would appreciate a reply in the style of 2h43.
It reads 9h24
